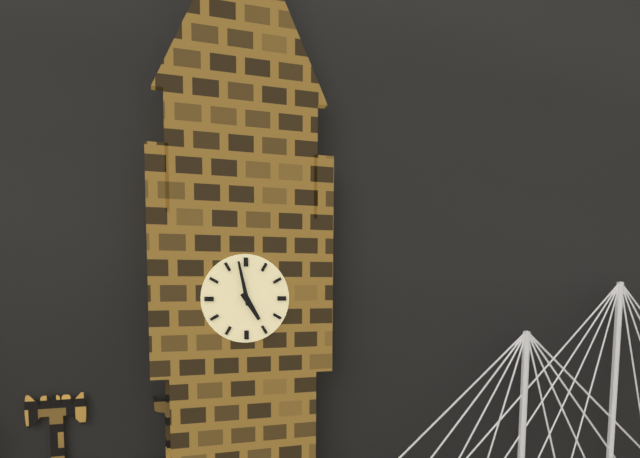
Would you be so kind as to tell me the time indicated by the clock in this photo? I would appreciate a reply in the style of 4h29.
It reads 4h58
